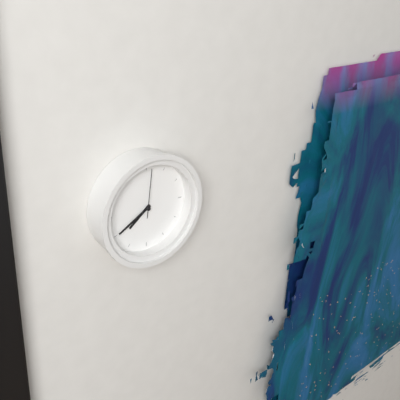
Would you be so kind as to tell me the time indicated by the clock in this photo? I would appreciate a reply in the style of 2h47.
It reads 7h40
